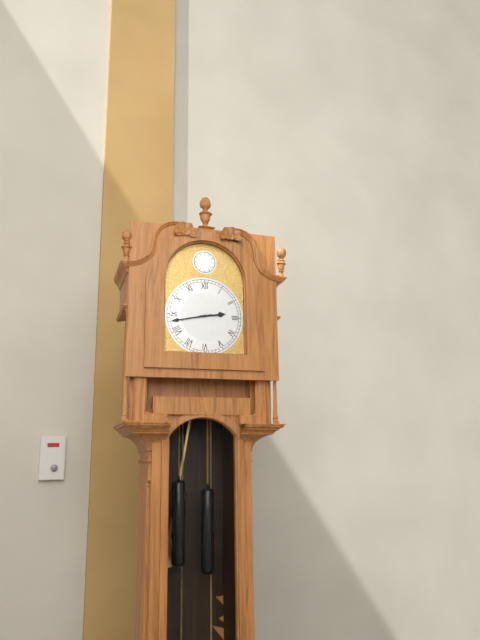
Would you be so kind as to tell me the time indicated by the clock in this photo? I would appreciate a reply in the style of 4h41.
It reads 2h43
